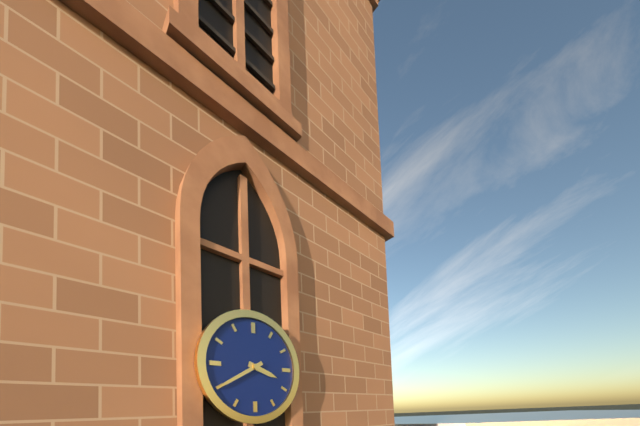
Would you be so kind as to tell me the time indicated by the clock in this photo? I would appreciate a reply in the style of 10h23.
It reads 3h40
